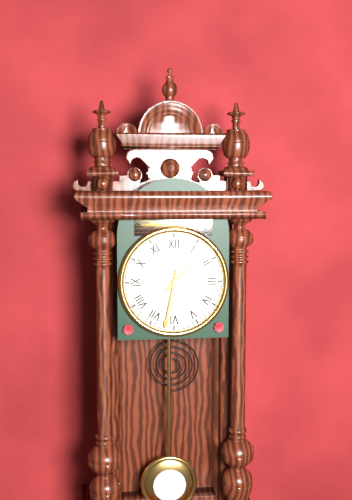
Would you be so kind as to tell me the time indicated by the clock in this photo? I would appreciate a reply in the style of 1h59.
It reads 1h32
